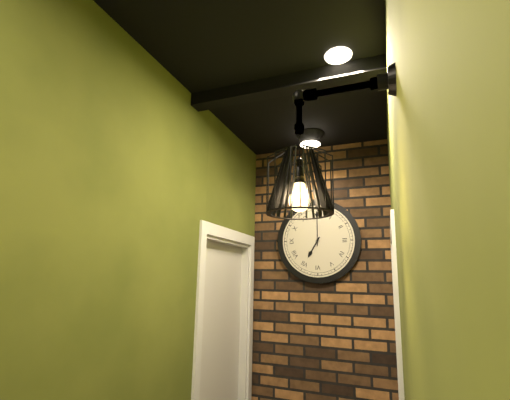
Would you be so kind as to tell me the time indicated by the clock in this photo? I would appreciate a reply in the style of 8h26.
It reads 7h00
